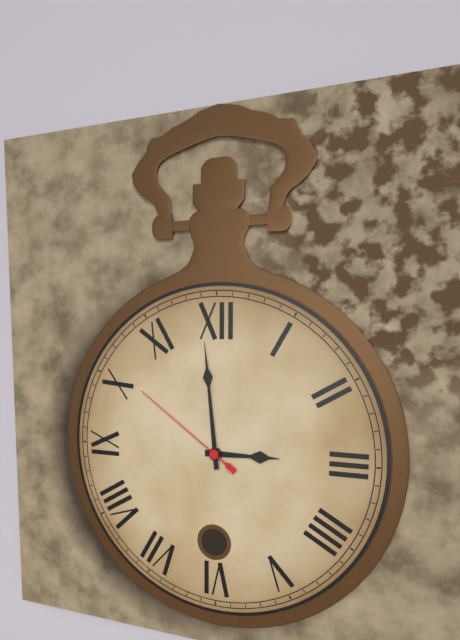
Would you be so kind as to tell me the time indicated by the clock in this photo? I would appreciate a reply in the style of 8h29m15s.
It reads 2h59m51s
